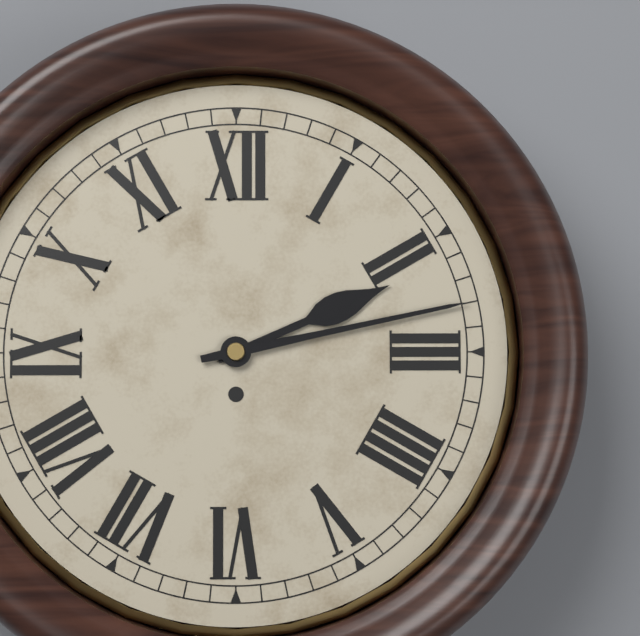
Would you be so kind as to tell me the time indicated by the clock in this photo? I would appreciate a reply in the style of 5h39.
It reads 2h13
